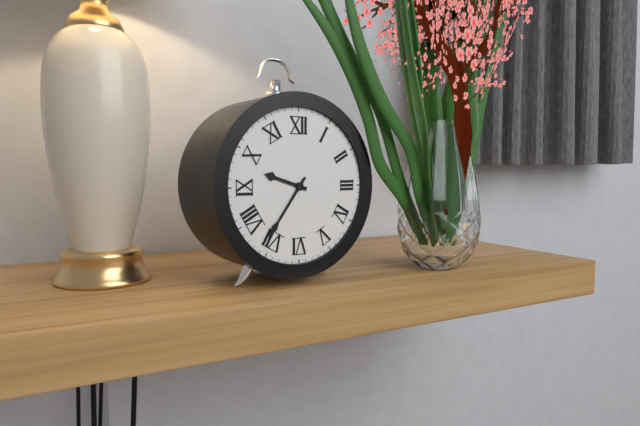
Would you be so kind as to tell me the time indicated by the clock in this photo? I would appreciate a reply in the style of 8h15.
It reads 9h36
